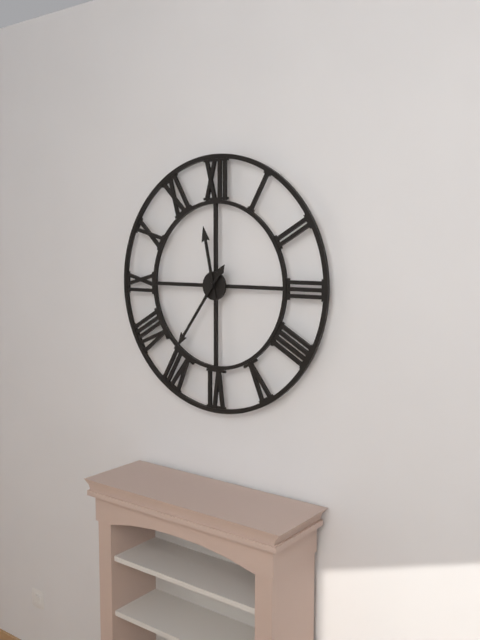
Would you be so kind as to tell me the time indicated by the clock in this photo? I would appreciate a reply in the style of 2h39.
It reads 11h36
